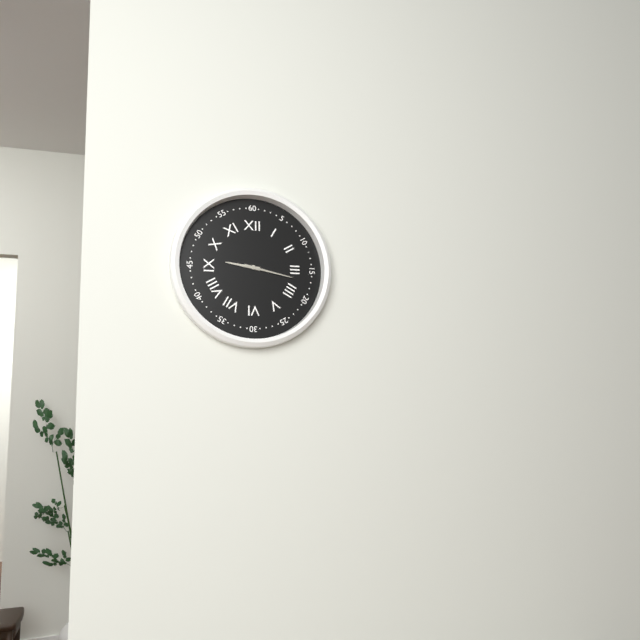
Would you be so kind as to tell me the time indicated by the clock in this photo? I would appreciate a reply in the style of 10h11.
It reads 9h17
